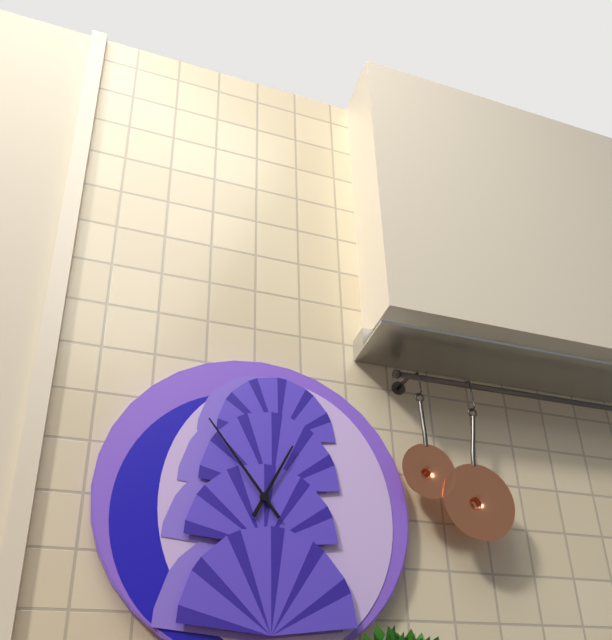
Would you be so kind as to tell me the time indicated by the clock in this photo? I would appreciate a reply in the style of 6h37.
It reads 12h54
